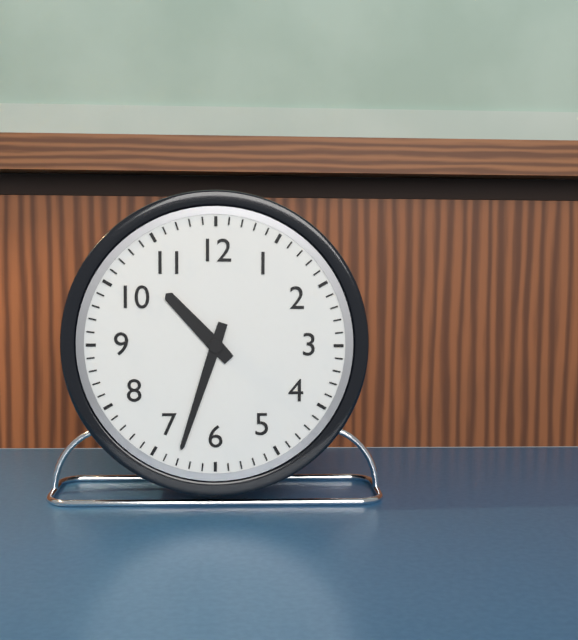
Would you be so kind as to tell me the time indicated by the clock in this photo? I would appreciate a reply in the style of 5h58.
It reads 10h33
